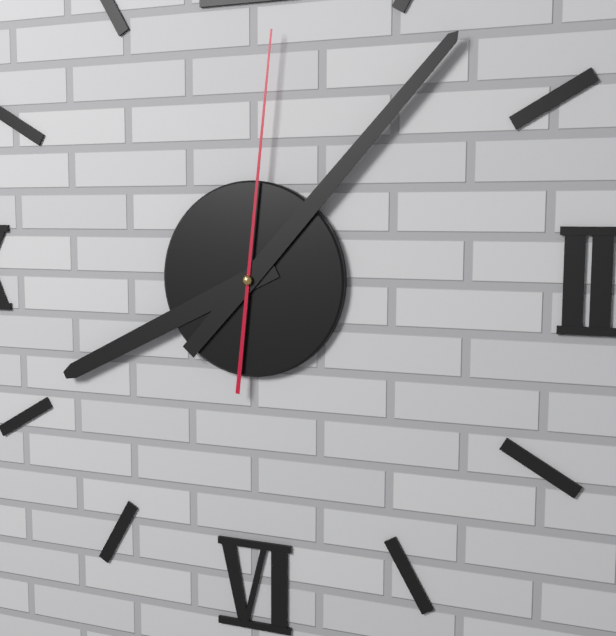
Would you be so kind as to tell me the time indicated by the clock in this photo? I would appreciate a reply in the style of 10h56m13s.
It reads 8h07m01s
